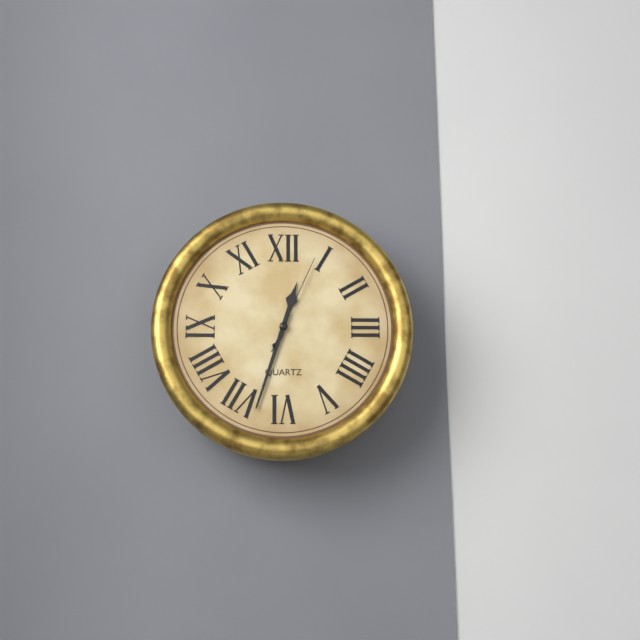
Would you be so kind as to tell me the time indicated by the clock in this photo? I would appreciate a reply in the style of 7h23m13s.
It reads 12h33m04s
